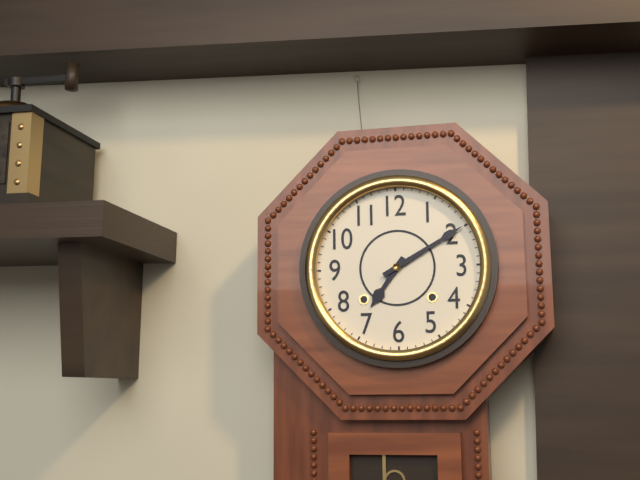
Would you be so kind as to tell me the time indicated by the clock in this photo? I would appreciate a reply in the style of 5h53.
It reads 7h10
